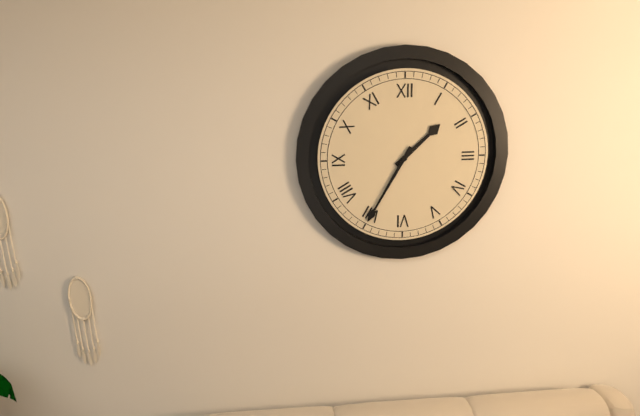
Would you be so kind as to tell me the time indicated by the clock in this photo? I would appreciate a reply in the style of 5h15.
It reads 1h35
